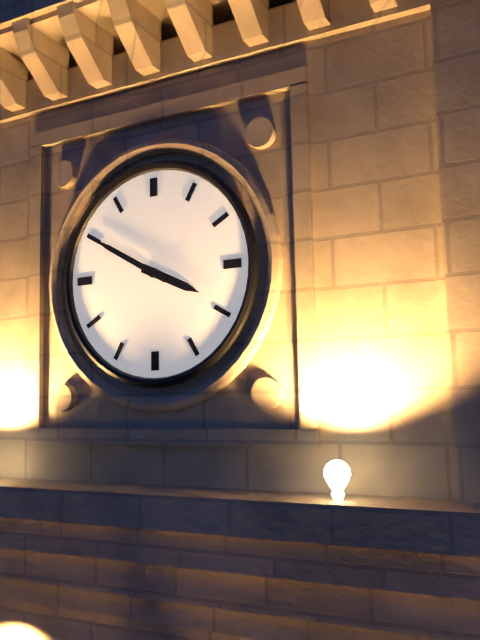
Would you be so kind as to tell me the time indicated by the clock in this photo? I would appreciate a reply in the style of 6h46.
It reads 3h50
